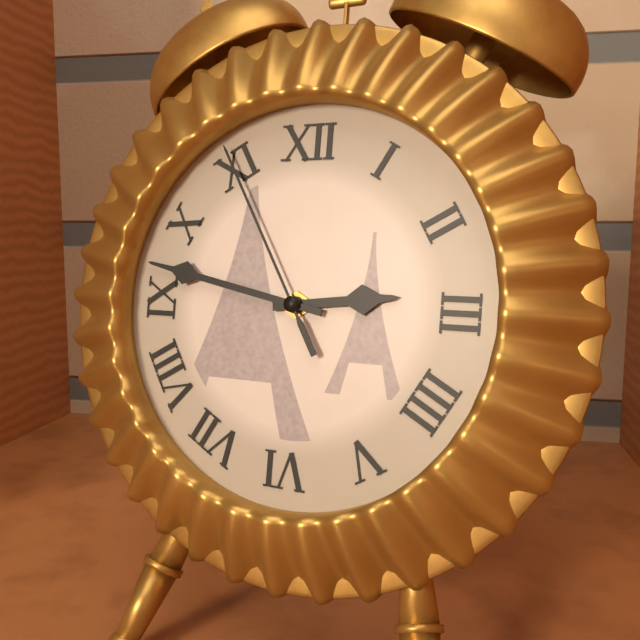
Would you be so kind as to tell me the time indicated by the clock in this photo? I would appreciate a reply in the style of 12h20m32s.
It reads 2h47m55s
